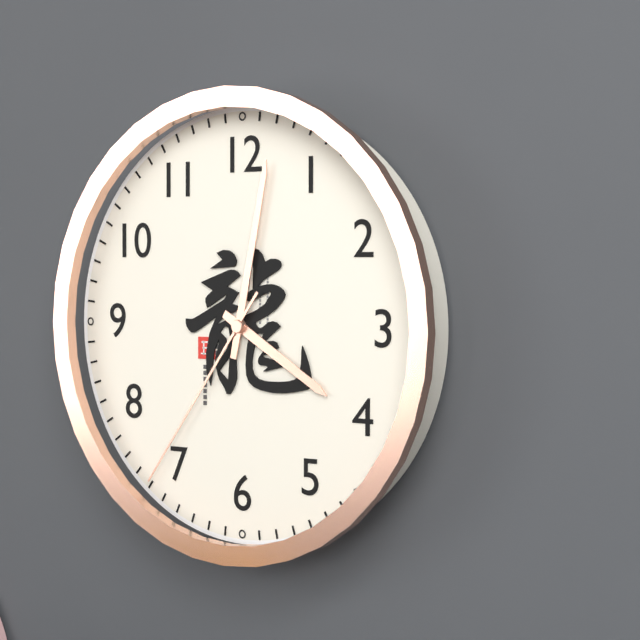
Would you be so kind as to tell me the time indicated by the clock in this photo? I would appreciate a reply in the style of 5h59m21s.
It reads 4h02m36s
